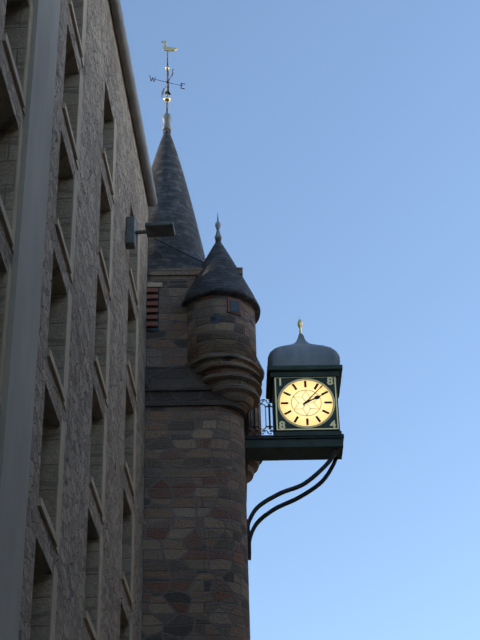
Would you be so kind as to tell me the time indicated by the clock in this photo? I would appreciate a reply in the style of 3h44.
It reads 2h07
